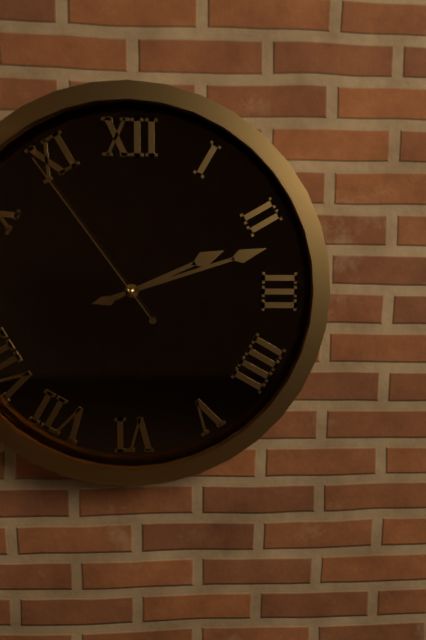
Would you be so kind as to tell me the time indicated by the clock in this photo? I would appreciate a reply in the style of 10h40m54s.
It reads 2h12m54s
